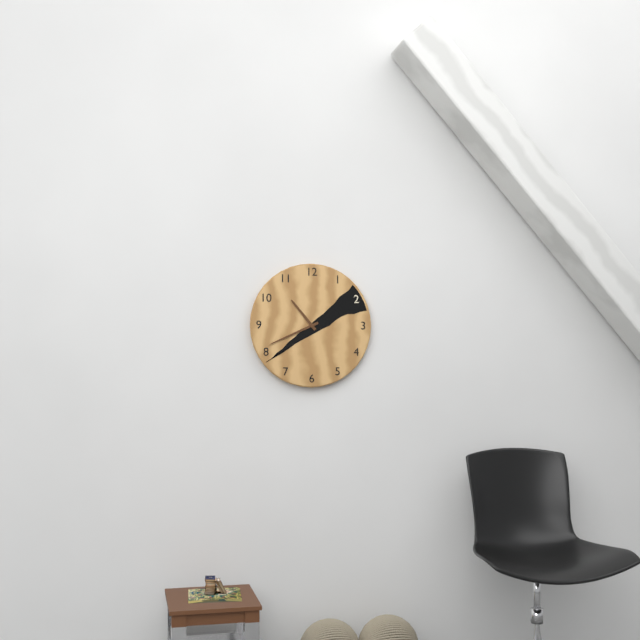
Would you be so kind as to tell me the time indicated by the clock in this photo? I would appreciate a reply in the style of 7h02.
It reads 10h41
